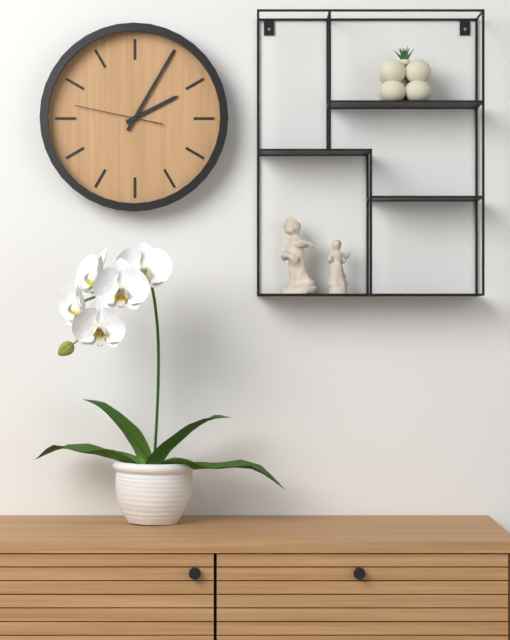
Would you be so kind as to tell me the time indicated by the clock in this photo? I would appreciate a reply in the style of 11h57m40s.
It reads 2h05m47s
